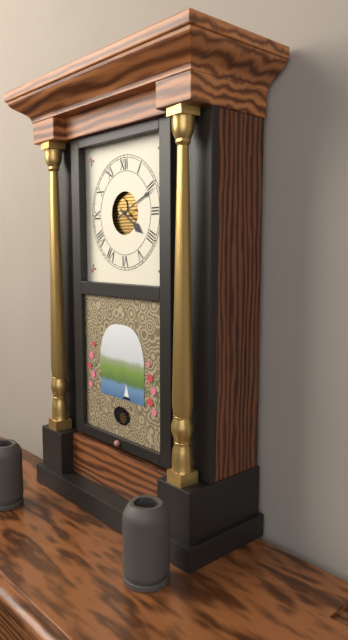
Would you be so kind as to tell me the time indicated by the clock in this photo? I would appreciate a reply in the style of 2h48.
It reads 4h11
